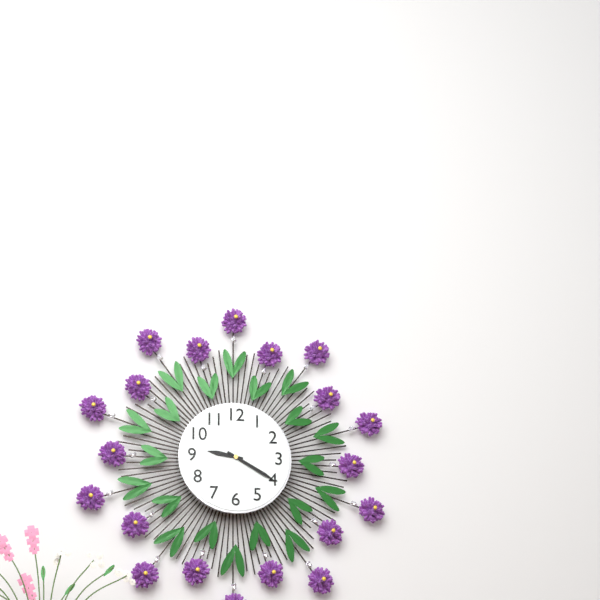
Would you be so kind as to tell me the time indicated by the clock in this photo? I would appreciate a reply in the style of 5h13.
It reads 9h20
